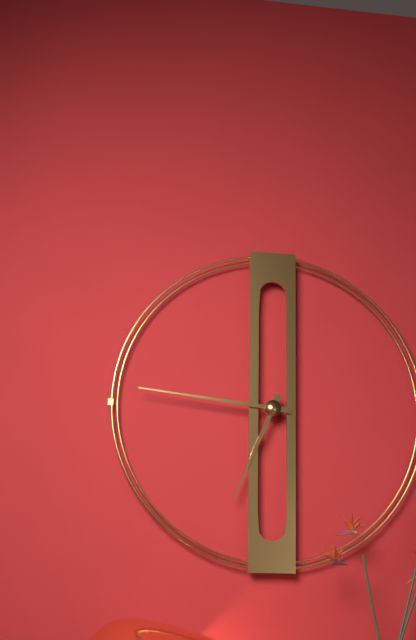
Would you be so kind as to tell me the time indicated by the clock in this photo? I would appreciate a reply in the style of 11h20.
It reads 6h46
